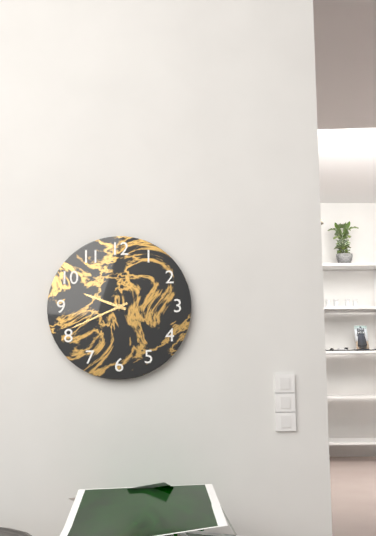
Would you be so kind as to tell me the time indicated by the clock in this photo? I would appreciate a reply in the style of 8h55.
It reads 9h41
